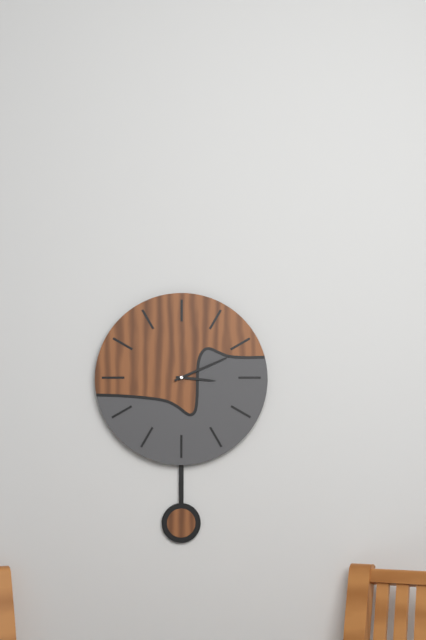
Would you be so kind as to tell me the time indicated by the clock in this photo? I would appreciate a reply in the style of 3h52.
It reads 3h11
